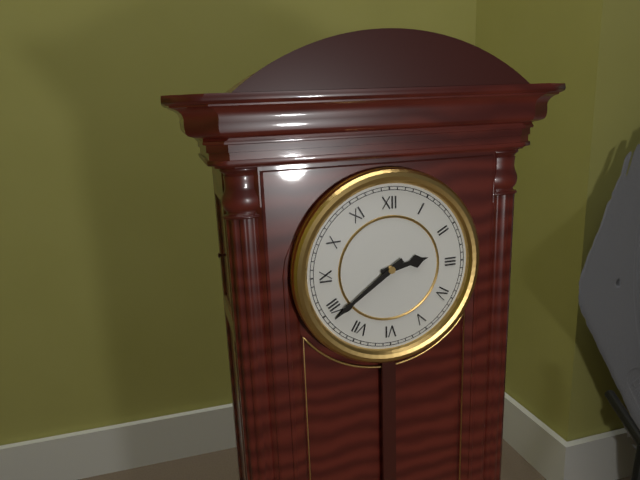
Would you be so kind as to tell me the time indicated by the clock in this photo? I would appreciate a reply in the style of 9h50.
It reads 2h39
